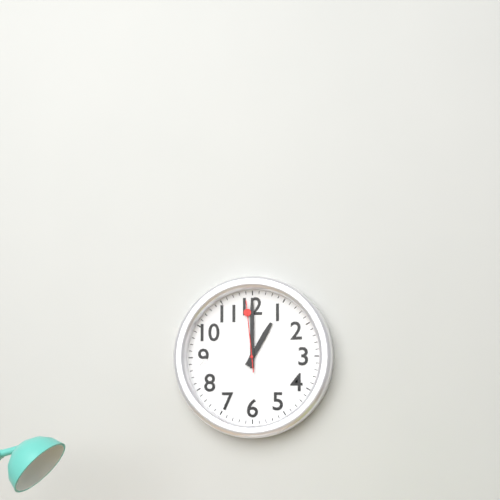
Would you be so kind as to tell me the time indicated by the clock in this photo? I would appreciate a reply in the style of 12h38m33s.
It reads 1h00m59s
